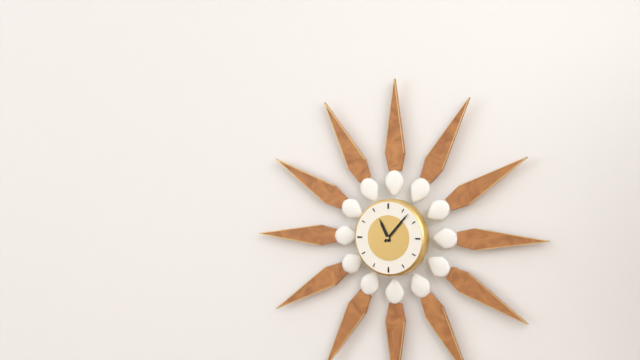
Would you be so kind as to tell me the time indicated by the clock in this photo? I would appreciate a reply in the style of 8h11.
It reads 11h07
